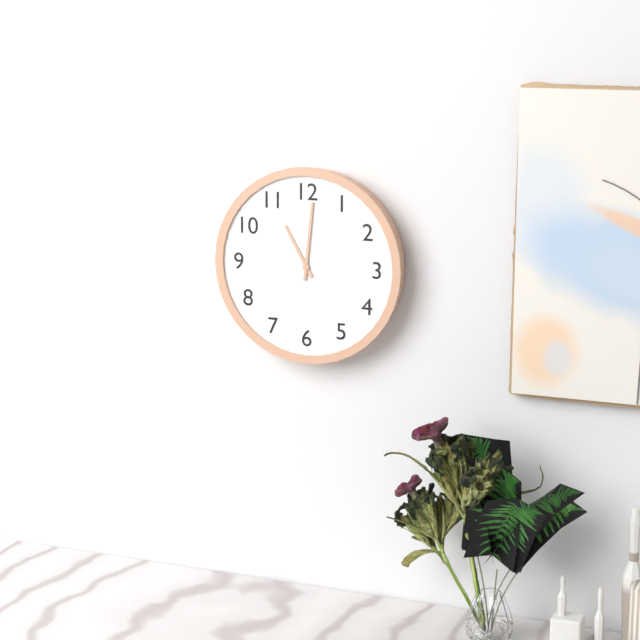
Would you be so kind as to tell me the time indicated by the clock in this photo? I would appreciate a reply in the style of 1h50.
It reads 11h01
